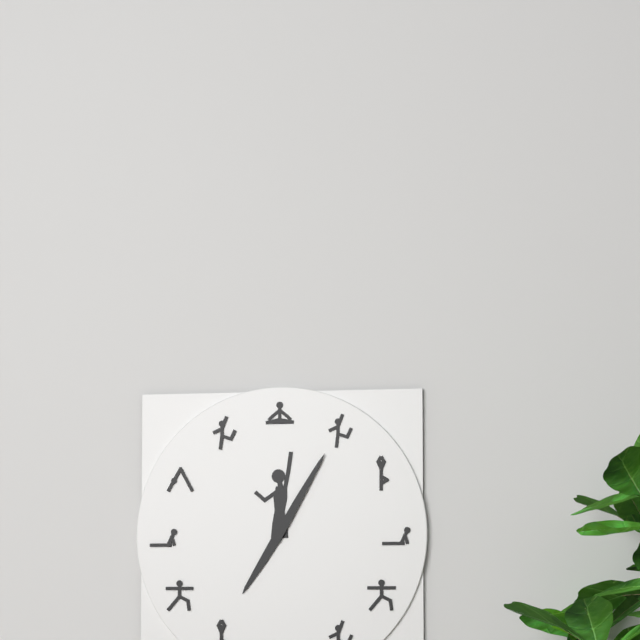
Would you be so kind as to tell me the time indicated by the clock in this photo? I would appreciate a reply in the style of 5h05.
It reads 7h05
